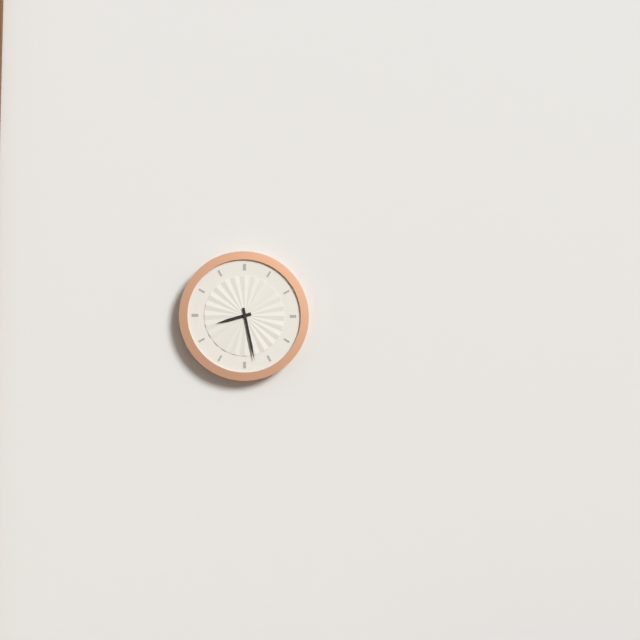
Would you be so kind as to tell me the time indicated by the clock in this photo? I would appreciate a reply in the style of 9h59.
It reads 8h28
